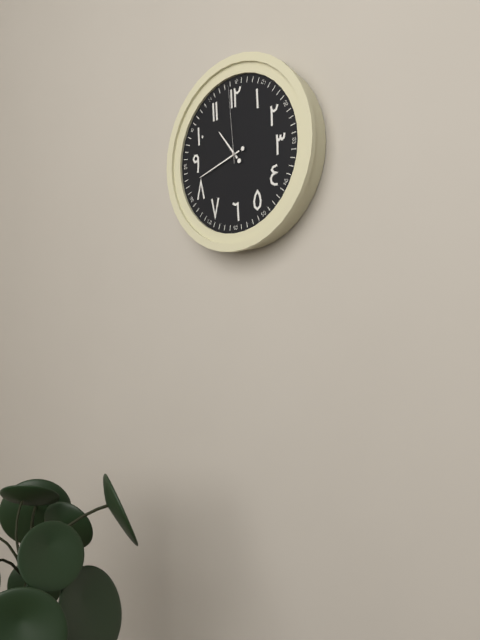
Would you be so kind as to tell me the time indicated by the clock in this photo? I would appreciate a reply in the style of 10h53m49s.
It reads 10h42m59s
